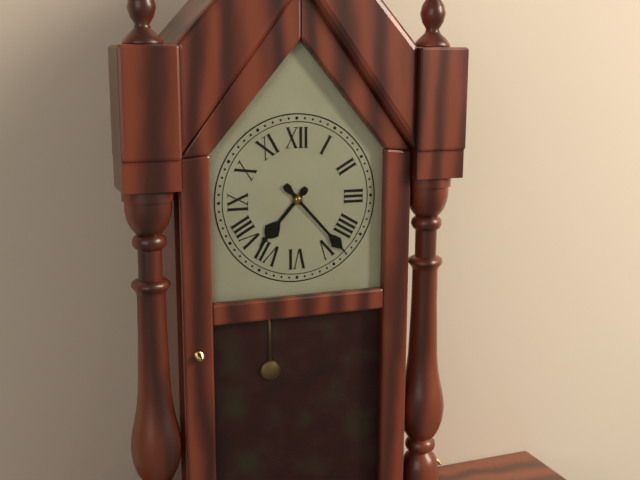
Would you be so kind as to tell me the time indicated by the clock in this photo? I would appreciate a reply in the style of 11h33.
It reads 7h23
